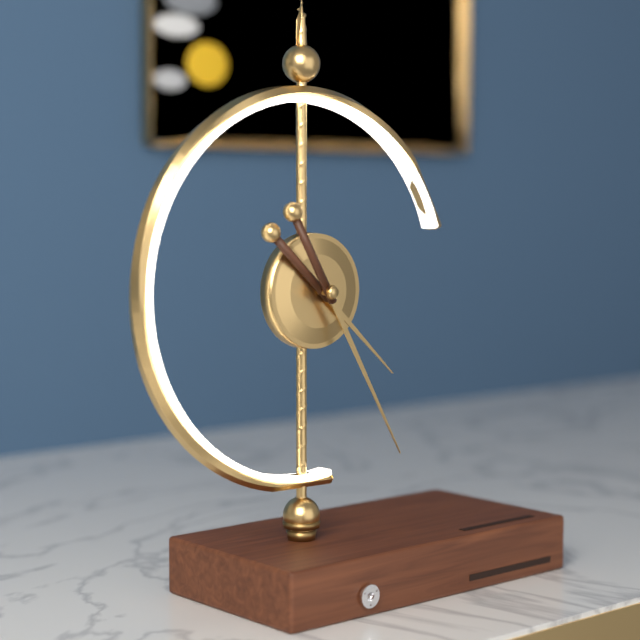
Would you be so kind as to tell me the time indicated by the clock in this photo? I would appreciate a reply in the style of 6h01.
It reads 4h25
